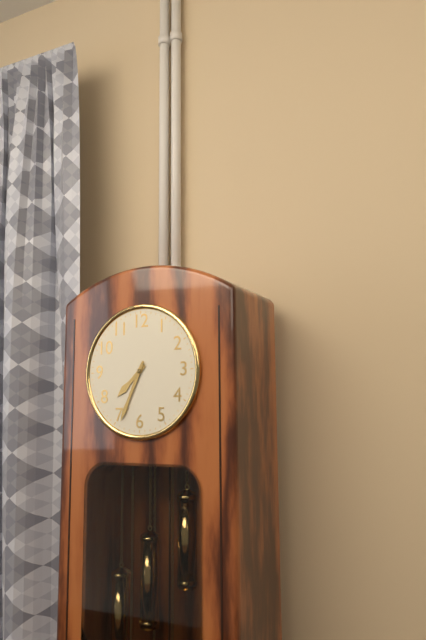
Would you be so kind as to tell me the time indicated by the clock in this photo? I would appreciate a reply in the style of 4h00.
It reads 7h34
